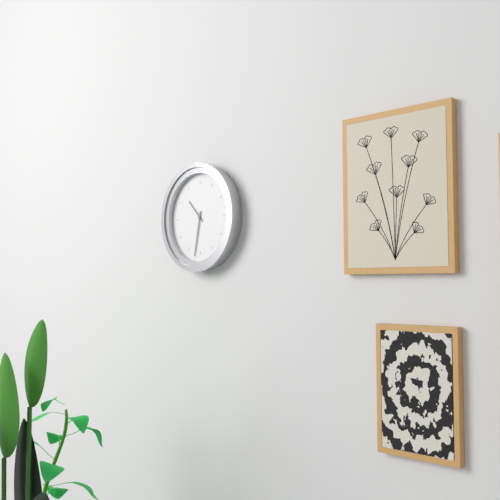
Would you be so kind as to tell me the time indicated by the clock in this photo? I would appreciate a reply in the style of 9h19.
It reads 10h32
